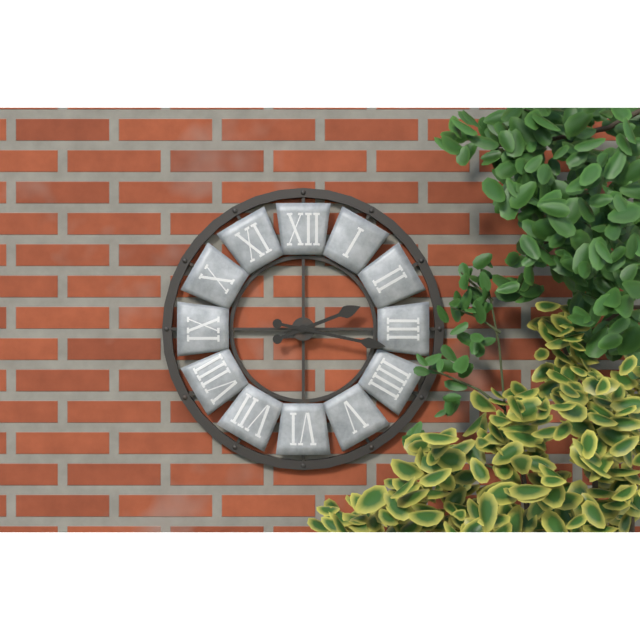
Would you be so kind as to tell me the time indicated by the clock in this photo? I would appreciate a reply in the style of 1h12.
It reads 2h17
